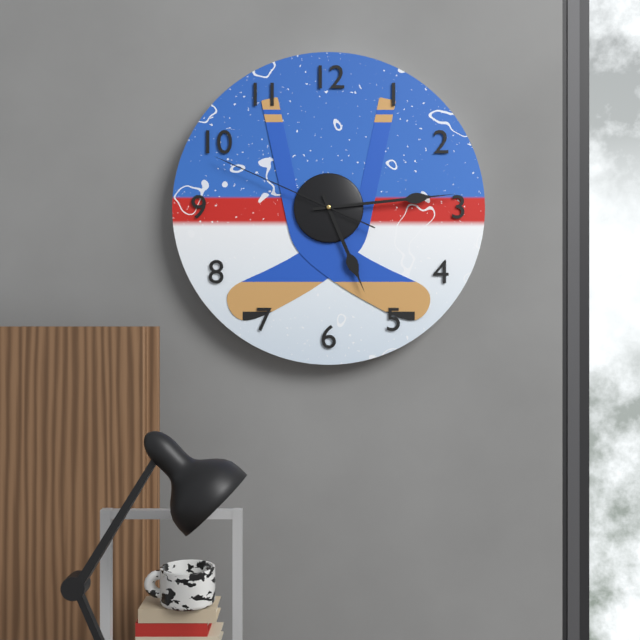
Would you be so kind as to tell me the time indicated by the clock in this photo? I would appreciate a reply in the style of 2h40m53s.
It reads 5h14m49s
